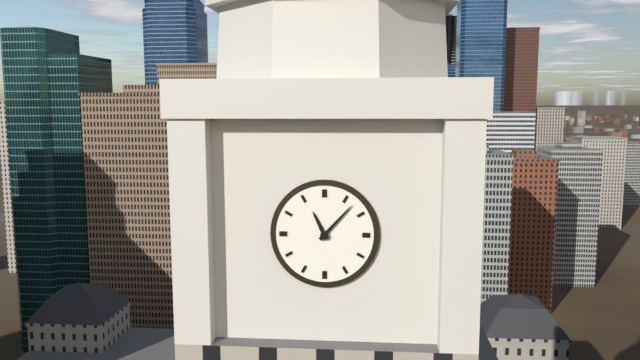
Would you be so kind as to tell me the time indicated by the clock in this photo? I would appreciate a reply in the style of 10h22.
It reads 11h07
